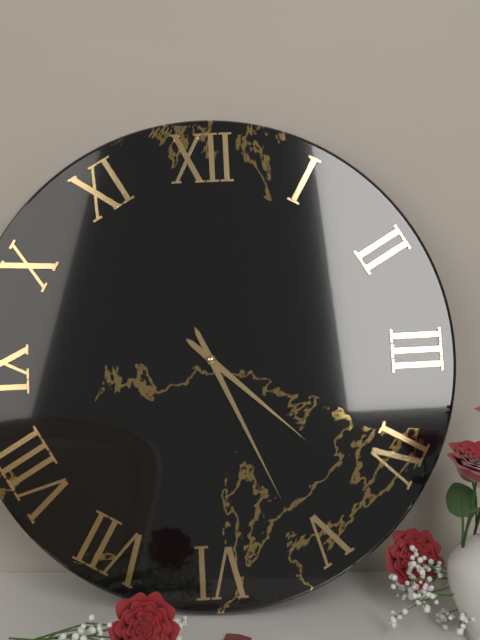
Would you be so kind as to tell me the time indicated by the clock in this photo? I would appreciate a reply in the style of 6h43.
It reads 4h26
